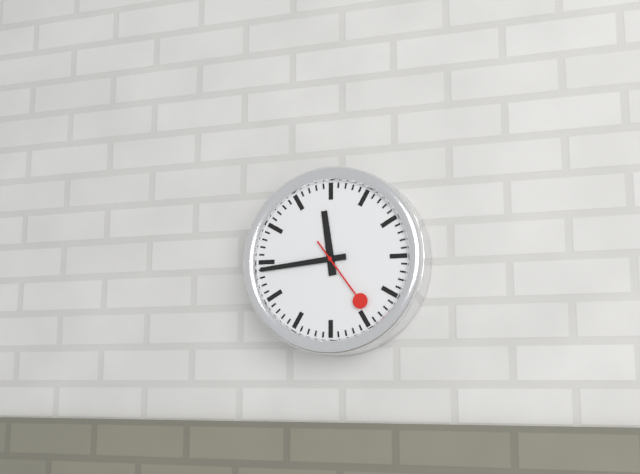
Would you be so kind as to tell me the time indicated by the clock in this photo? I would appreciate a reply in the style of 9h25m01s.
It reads 11h44m24s
